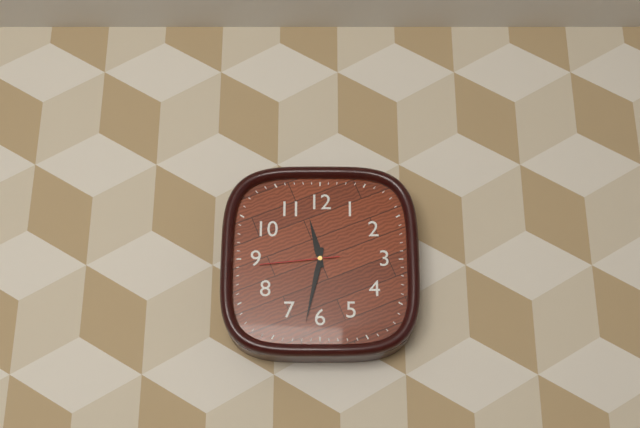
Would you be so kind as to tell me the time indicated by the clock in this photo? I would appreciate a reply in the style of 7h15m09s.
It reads 11h32m44s
